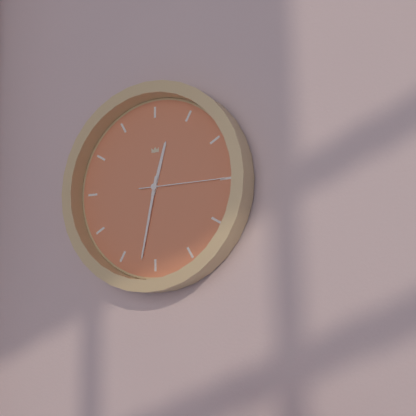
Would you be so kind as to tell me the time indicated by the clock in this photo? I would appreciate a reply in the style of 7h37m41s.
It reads 12h32m15s
